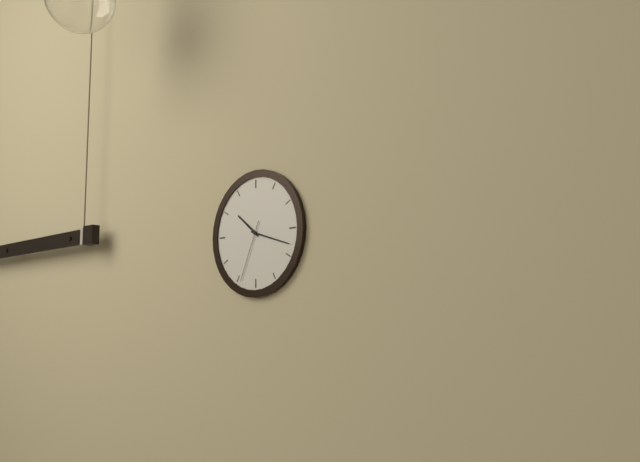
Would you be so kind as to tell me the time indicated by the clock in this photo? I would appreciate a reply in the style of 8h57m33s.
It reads 10h18m34s
